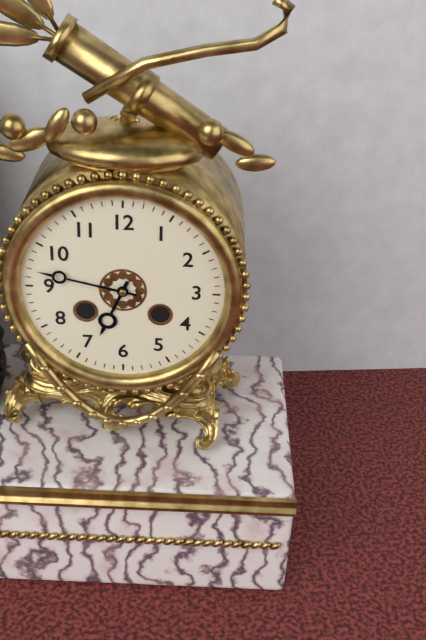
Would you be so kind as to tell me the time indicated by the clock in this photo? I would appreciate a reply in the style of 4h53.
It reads 6h47
